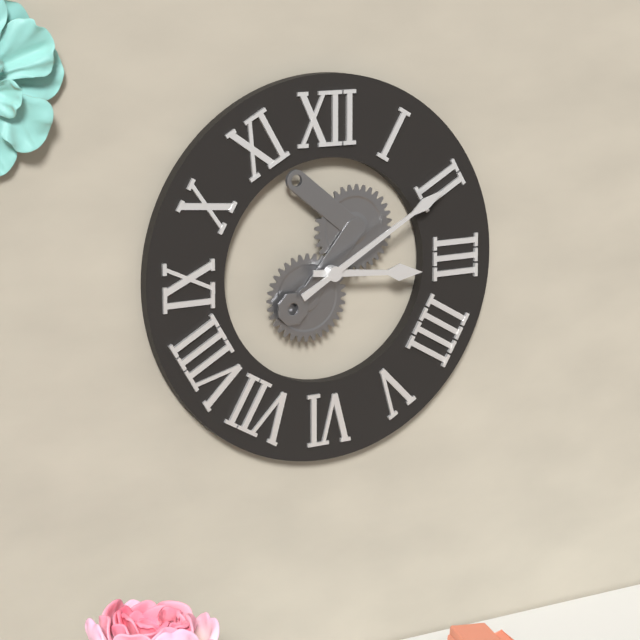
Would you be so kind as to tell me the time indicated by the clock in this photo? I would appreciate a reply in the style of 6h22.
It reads 3h10
